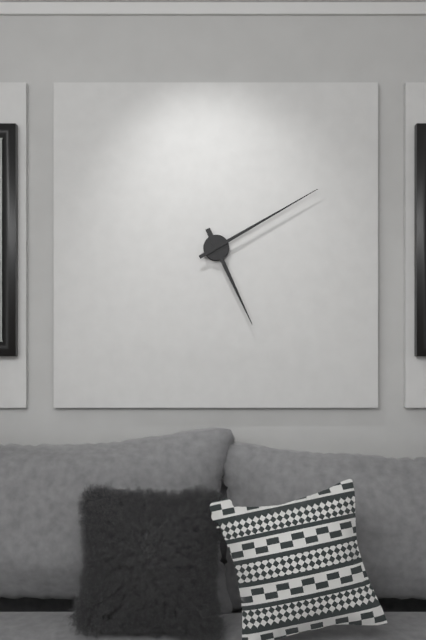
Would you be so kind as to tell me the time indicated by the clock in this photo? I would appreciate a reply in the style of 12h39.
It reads 5h10
